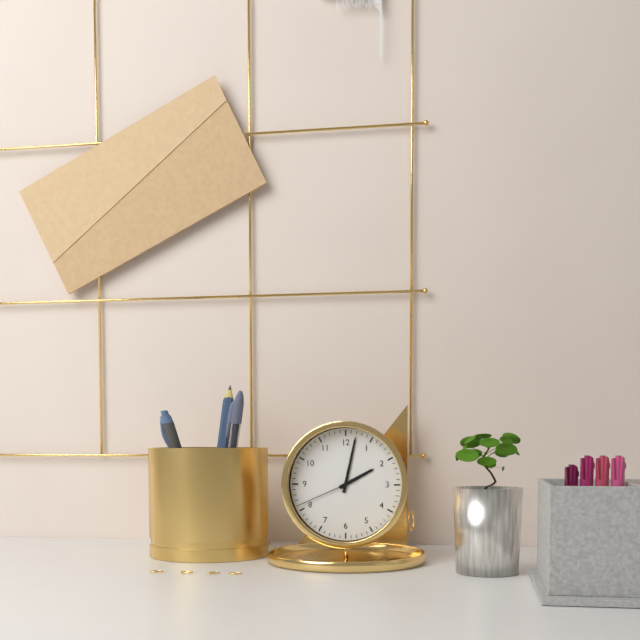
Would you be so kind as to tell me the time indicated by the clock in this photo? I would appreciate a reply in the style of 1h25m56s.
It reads 2h02m41s
